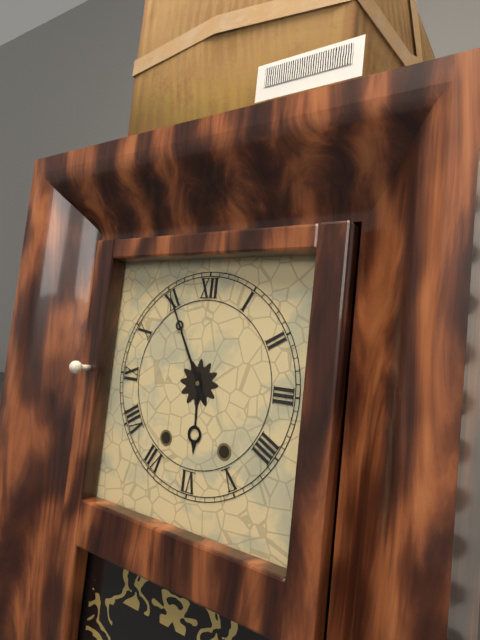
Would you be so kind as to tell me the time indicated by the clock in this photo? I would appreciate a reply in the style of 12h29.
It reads 5h55
